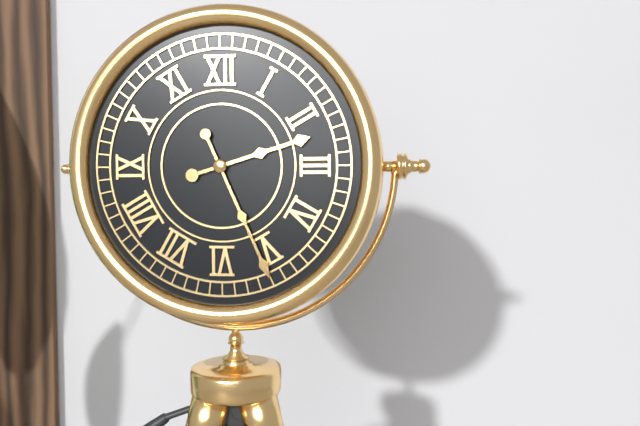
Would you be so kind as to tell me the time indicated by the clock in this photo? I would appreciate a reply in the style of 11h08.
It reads 2h26
